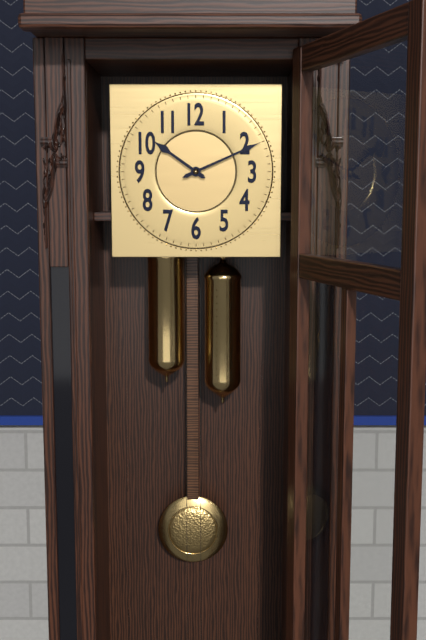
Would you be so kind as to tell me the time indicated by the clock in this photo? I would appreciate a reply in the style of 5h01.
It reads 10h11
